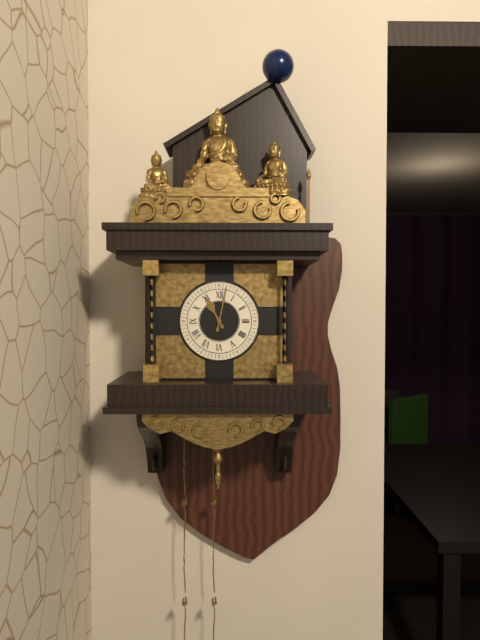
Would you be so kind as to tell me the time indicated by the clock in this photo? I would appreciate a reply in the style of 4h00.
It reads 11h02
